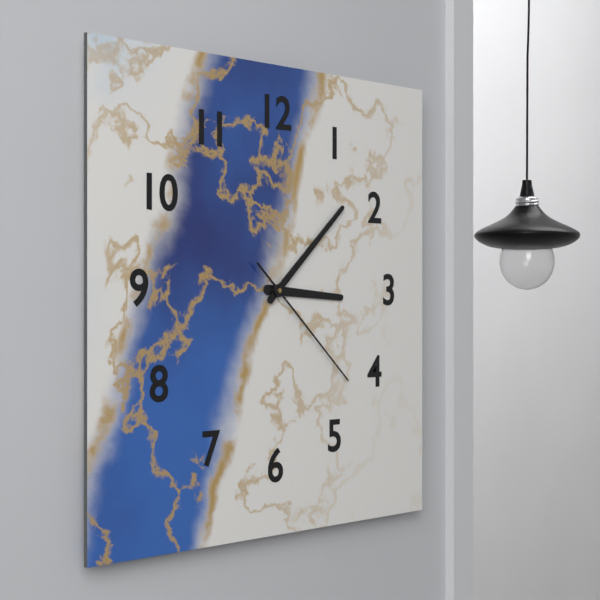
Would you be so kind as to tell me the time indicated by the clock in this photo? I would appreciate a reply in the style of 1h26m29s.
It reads 3h08m22s
